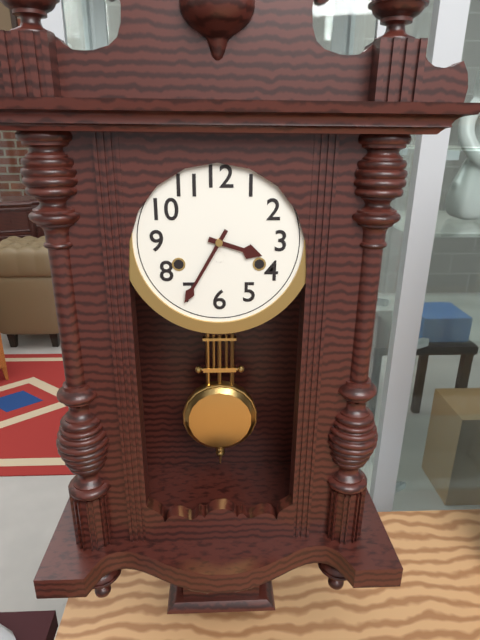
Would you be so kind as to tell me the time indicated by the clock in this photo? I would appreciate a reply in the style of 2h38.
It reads 3h35
